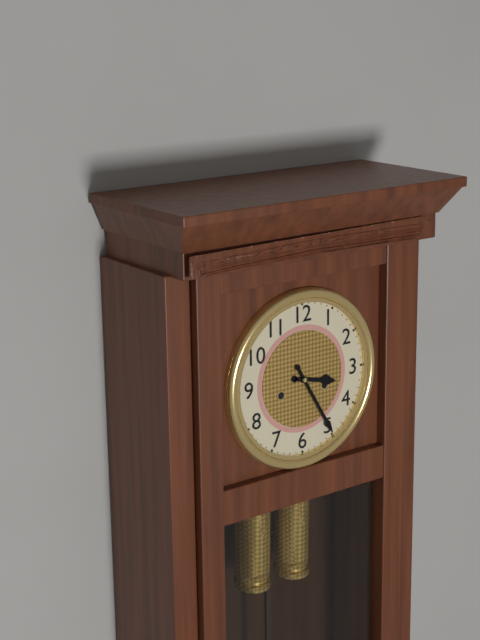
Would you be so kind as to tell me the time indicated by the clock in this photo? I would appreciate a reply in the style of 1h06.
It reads 3h25
